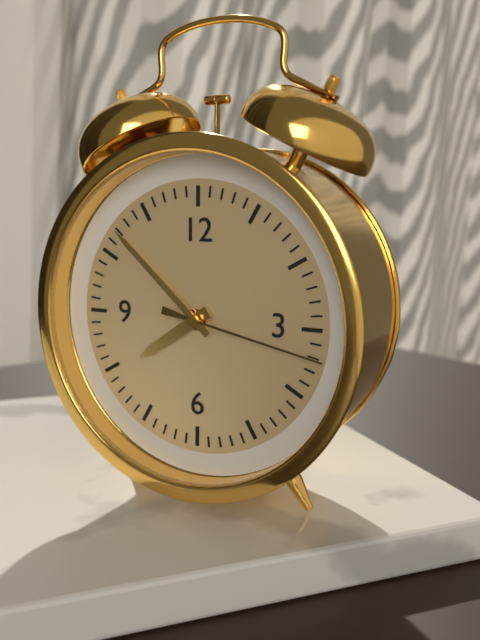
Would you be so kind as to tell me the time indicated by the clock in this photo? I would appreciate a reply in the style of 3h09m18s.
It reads 7h52m17s
